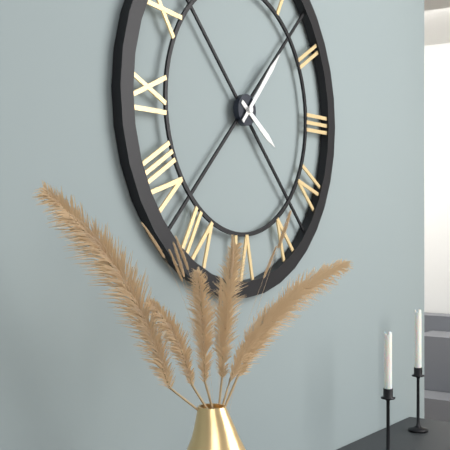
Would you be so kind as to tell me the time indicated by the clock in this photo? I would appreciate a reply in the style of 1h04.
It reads 4h07
